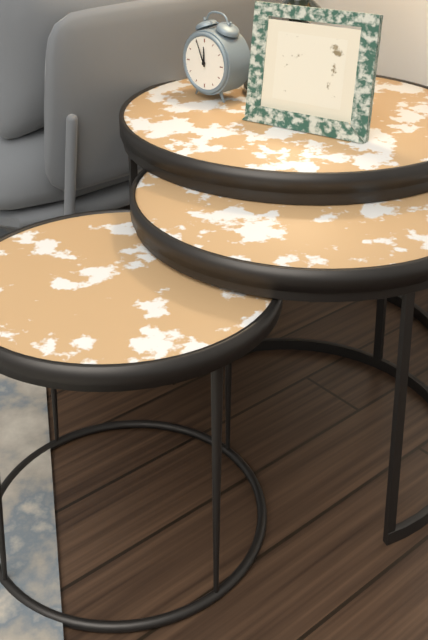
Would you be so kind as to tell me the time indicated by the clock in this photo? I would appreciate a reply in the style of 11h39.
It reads 11h56
